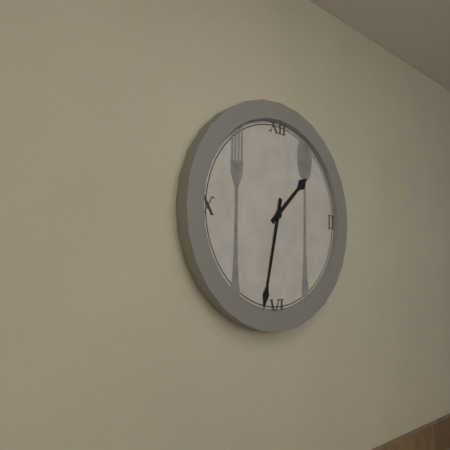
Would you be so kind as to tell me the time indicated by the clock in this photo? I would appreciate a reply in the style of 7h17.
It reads 1h32
